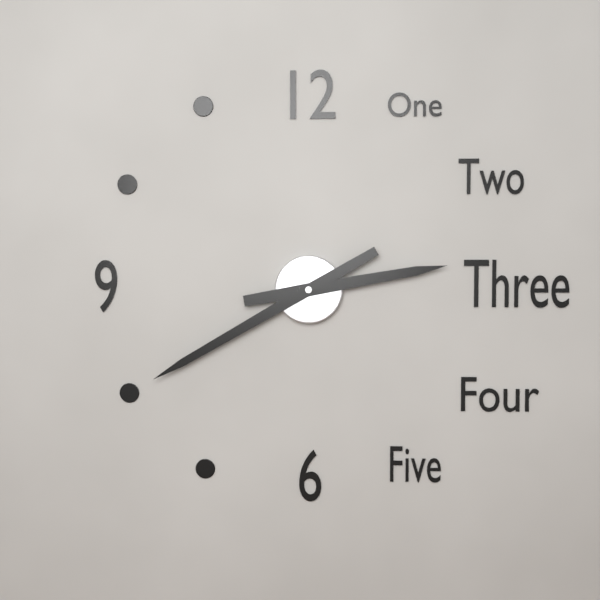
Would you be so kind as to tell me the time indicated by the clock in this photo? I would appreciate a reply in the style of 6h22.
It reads 2h40
